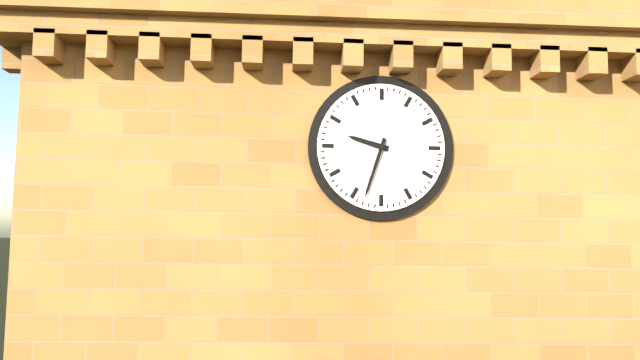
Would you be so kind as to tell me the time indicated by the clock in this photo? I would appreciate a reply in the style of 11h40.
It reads 9h33
